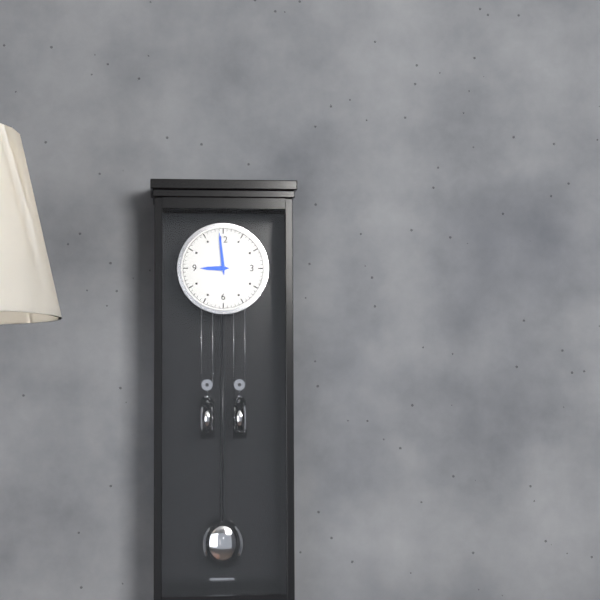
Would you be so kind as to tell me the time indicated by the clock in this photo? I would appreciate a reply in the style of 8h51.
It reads 8h59
